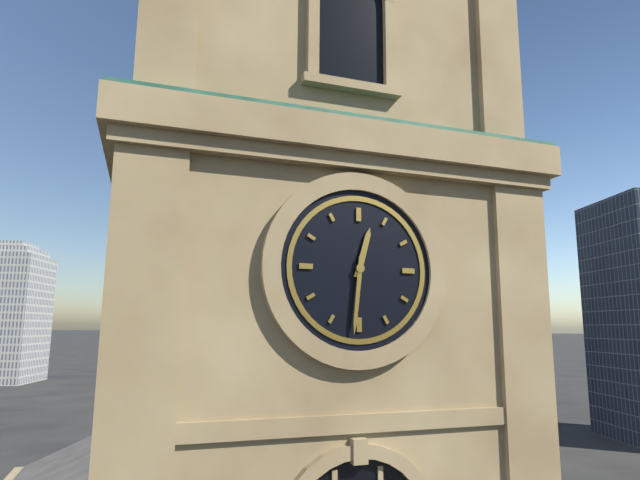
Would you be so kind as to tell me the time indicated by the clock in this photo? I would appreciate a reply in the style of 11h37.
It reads 12h31
